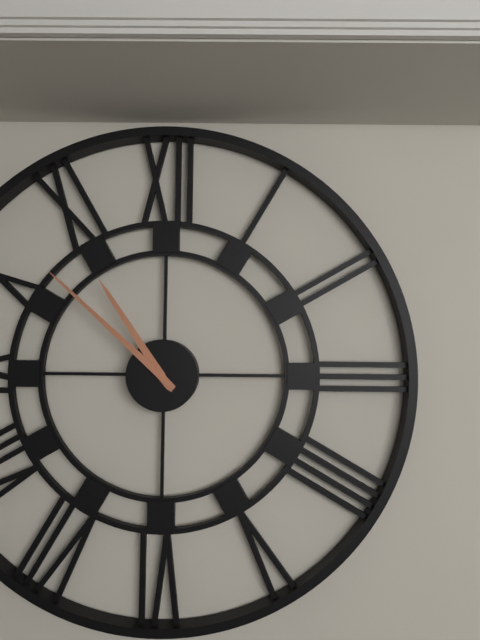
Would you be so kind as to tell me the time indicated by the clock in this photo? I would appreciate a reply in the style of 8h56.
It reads 10h52
